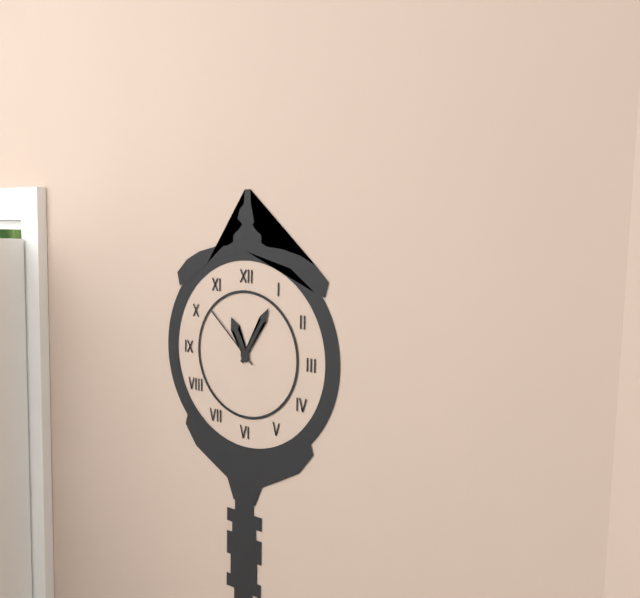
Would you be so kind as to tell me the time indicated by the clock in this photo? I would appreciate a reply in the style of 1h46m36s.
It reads 11h05m52s
